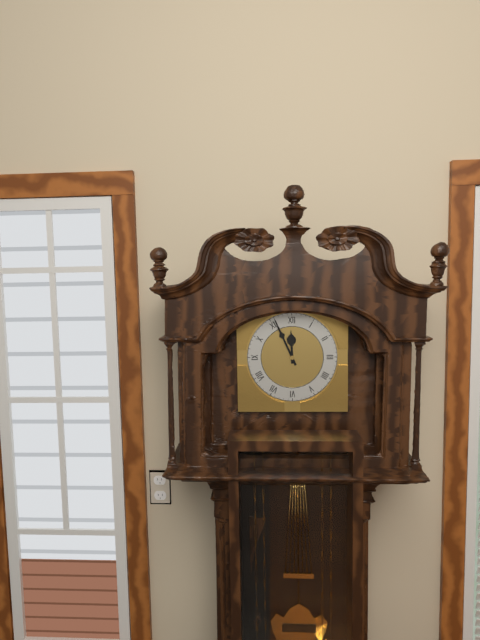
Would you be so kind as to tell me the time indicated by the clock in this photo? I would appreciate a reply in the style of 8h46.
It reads 11h56
